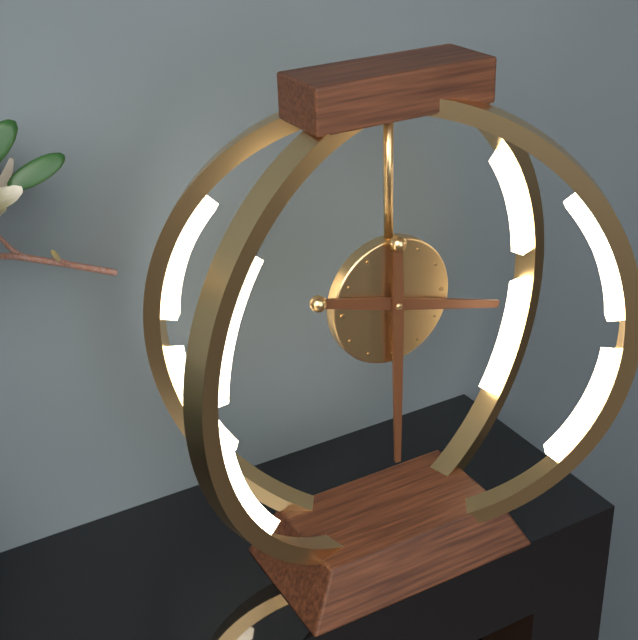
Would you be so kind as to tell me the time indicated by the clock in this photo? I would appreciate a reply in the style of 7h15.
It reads 3h30
